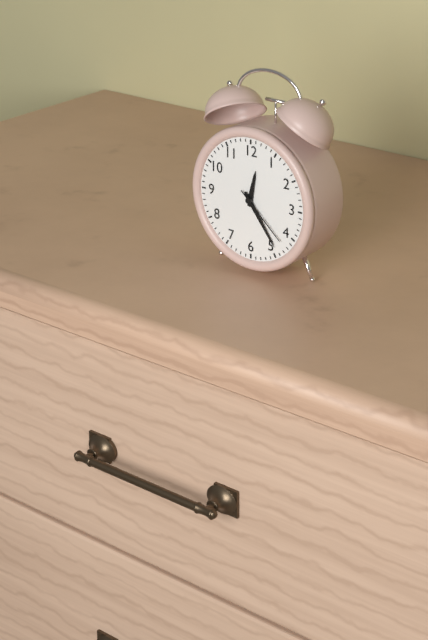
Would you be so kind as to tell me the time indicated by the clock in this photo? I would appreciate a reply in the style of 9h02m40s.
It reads 12h24m22s
